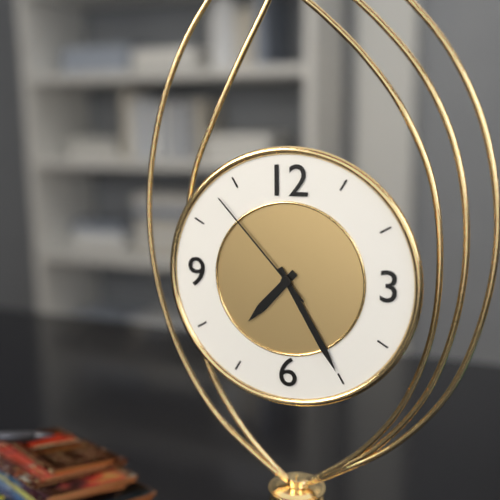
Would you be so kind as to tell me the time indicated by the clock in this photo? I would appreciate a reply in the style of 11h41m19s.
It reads 7h25m53s
